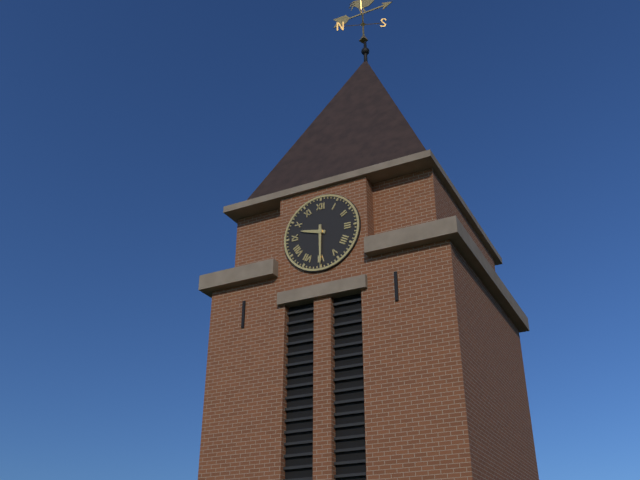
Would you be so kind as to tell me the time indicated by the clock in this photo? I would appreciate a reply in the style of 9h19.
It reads 9h30
